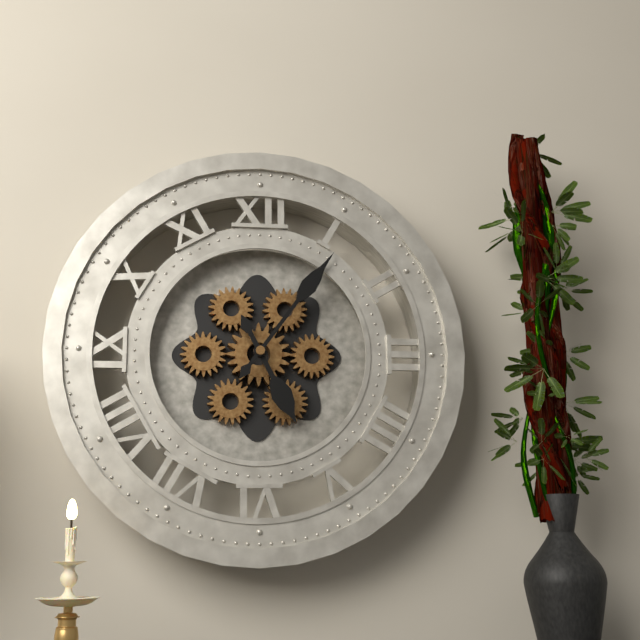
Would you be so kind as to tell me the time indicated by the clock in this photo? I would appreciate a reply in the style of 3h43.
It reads 5h06
